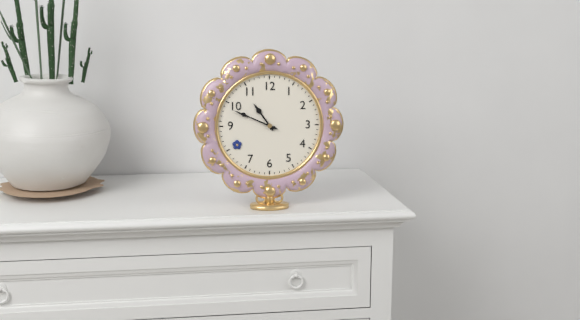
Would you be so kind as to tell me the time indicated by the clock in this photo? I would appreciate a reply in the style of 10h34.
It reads 10h49
